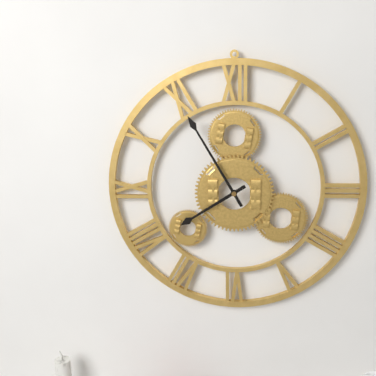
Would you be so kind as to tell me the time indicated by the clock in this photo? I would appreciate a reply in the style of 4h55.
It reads 7h55
